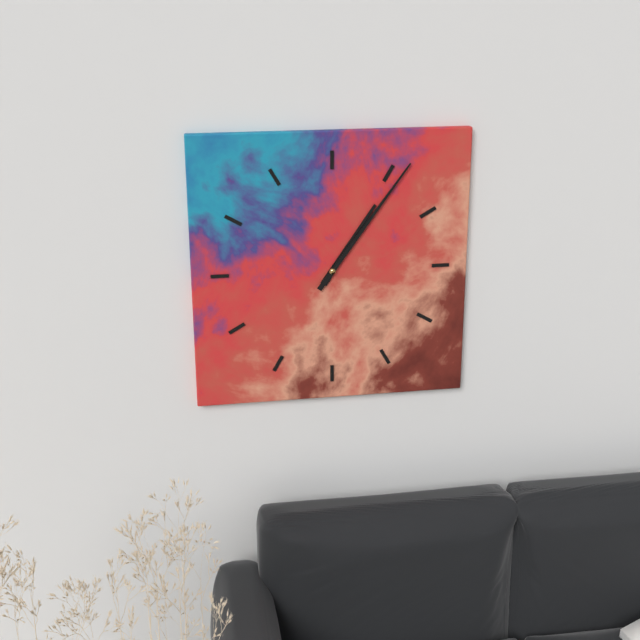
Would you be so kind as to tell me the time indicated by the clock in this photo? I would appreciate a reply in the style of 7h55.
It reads 1h06
